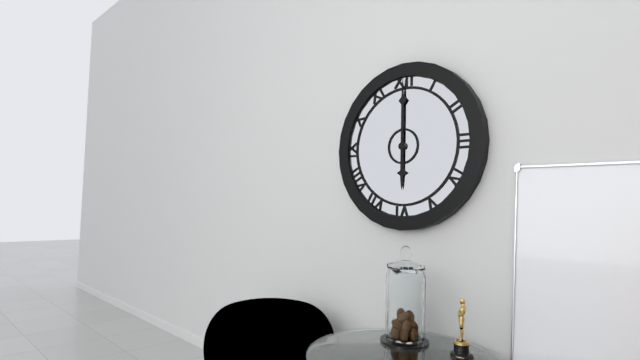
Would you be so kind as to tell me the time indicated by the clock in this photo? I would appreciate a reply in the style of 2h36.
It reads 6h00
